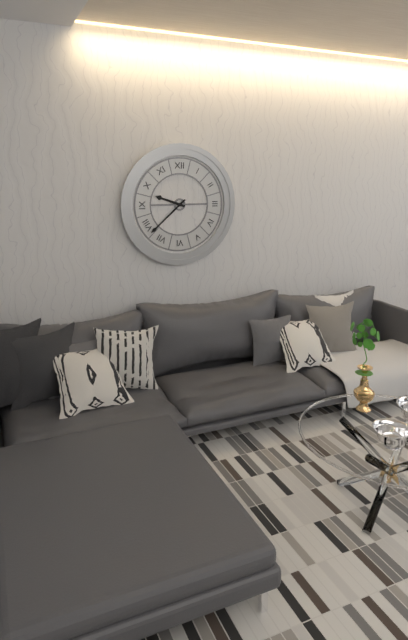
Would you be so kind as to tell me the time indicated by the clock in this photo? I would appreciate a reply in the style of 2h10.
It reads 9h38
